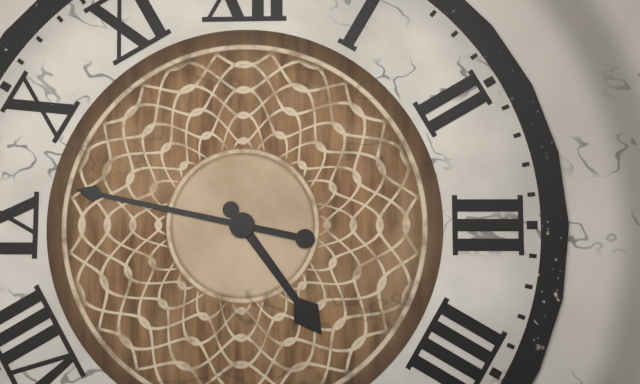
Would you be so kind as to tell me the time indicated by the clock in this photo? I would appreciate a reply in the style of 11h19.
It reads 4h47
